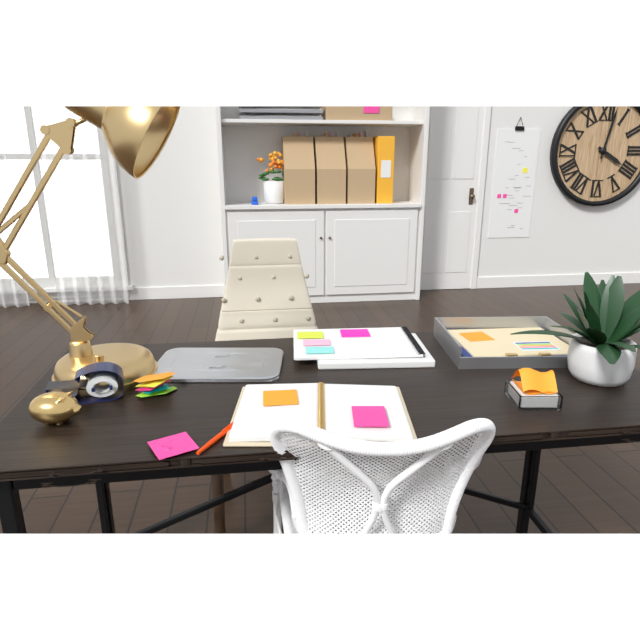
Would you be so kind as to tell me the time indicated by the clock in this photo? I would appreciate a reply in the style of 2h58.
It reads 4h02
